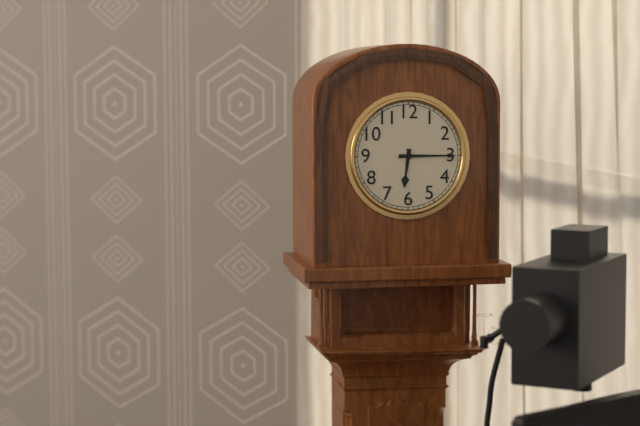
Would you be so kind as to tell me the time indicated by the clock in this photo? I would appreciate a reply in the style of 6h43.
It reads 6h15
